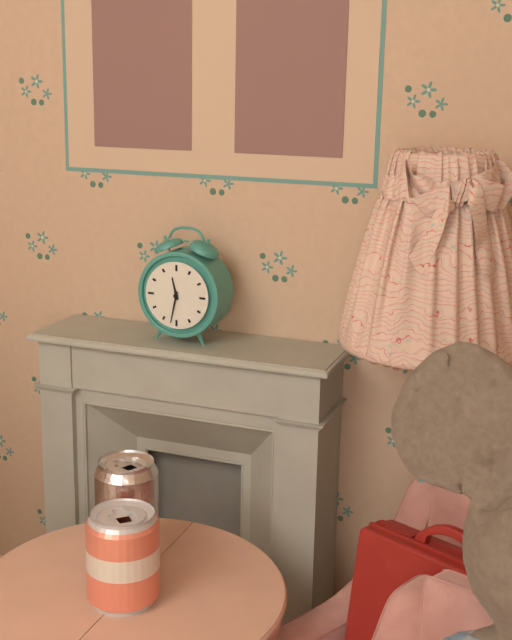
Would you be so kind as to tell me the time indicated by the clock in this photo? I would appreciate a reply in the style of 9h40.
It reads 11h32
